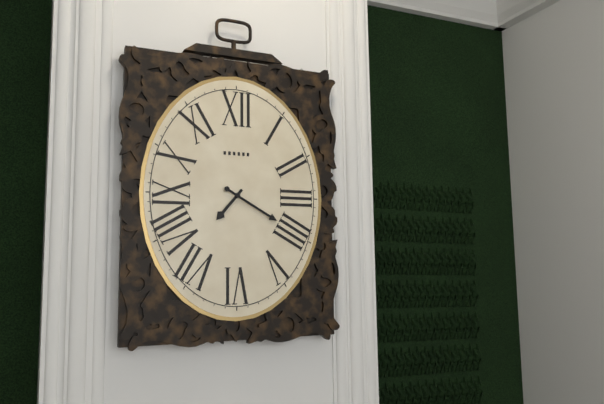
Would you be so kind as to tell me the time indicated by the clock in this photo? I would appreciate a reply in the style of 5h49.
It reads 7h20
